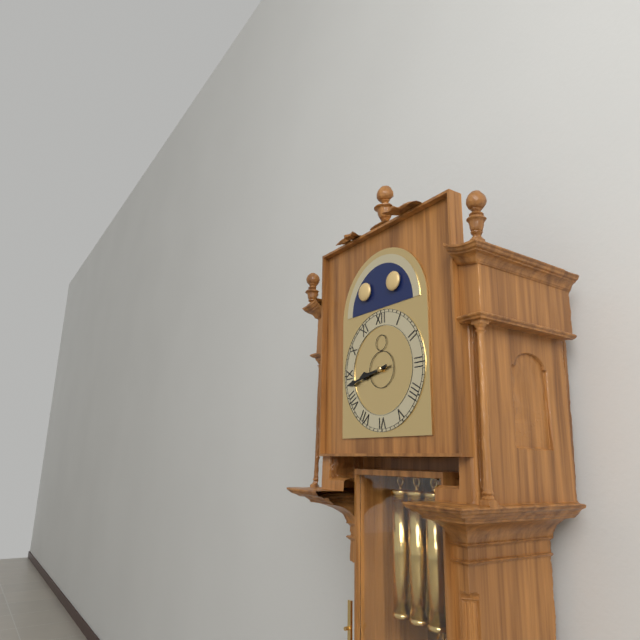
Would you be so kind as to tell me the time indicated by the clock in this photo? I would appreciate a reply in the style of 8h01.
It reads 8h43
